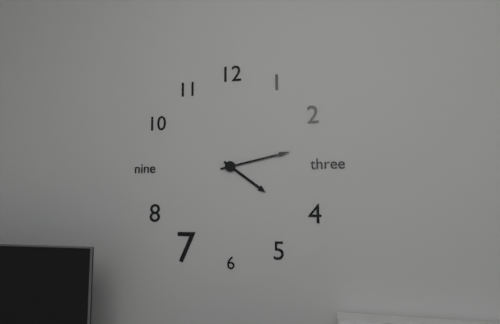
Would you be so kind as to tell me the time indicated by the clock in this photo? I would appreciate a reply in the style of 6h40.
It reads 4h13
